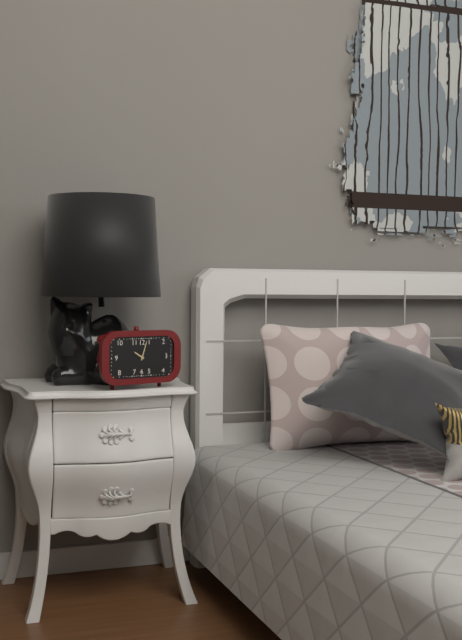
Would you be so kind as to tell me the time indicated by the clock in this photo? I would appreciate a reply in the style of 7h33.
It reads 10h03
